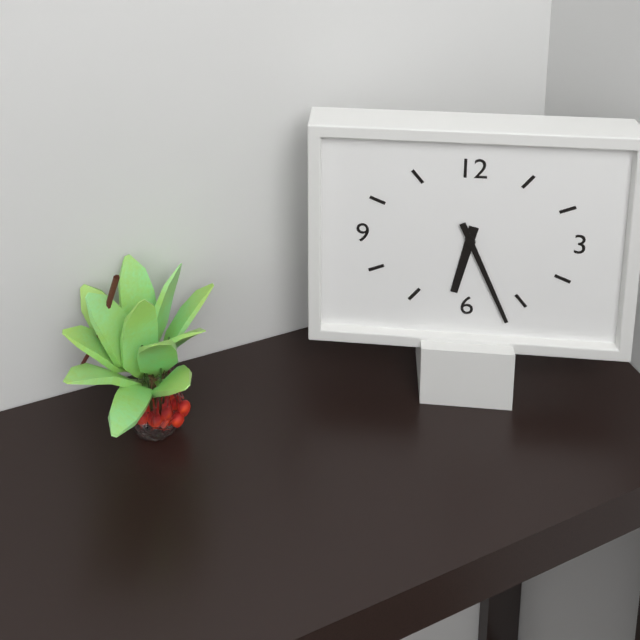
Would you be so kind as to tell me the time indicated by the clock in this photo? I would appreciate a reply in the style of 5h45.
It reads 6h26
